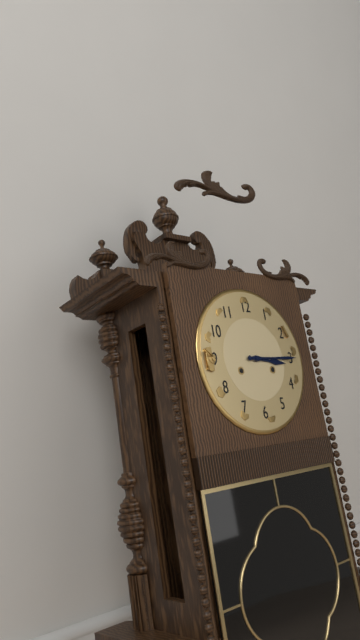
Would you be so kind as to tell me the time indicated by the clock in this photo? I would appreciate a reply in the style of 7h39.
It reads 3h15
